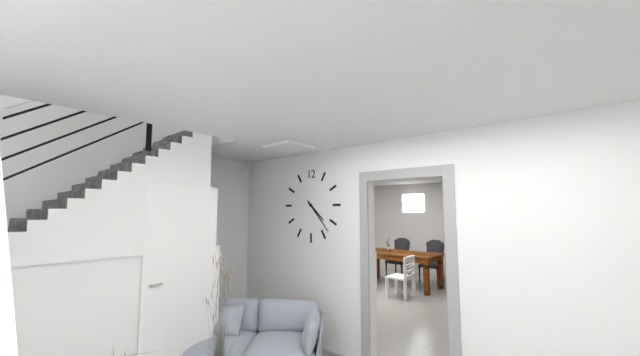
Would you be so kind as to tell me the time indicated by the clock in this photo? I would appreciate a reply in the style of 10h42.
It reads 4h23
